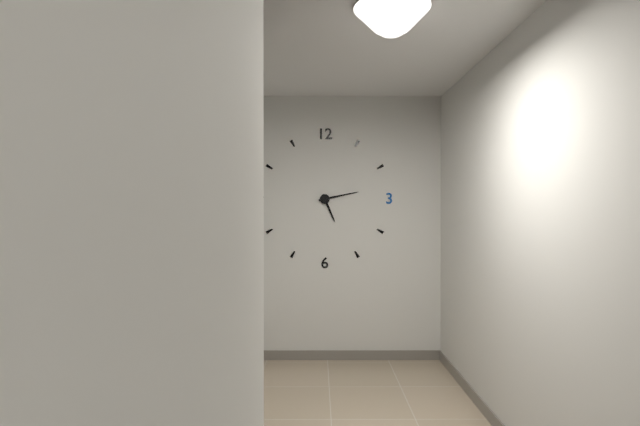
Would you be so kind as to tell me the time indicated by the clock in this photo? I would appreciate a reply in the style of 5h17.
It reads 5h13
